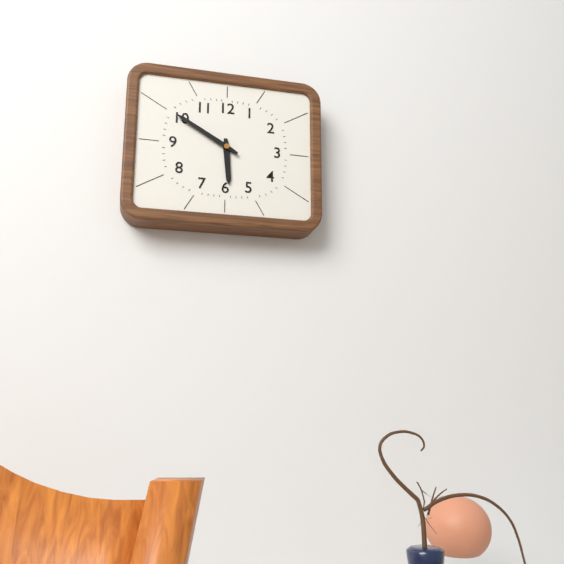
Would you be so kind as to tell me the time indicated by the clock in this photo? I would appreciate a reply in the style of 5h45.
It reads 5h50
